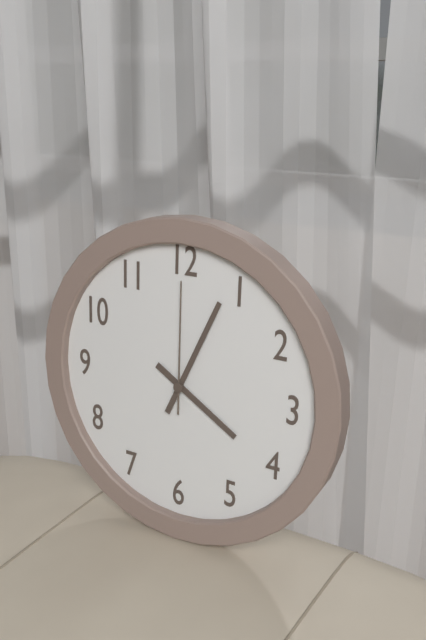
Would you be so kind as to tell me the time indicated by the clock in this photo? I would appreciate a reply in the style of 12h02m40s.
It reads 4h04m00s
